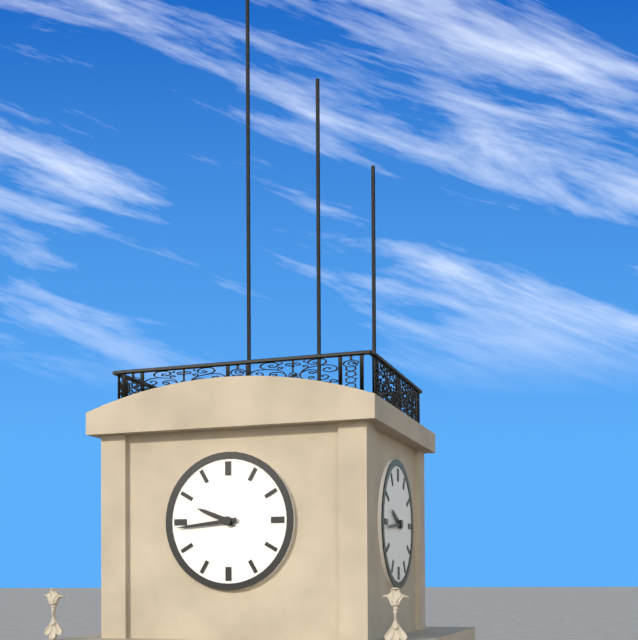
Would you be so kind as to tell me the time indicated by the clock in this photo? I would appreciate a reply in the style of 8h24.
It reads 9h44
